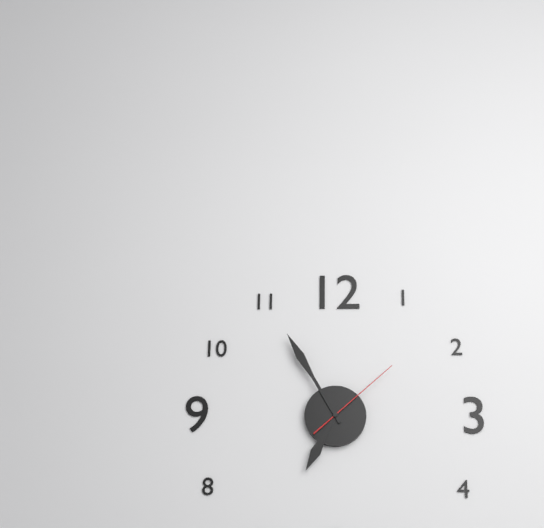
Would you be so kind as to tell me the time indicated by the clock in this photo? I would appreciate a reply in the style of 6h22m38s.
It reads 6h55m08s
